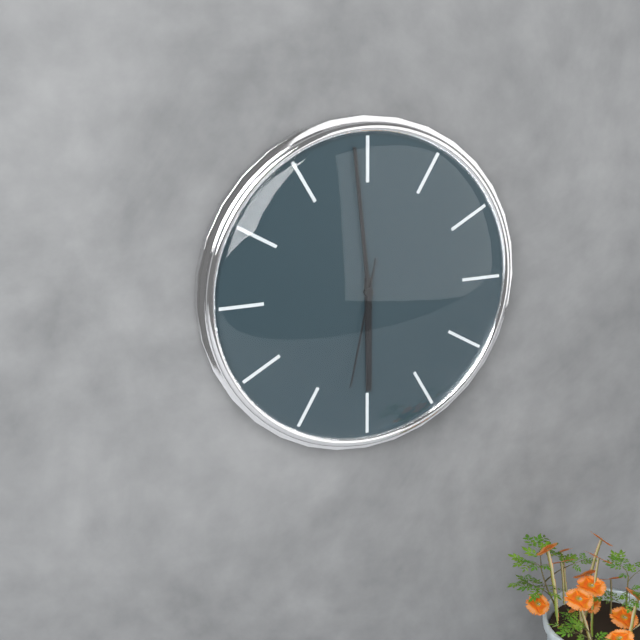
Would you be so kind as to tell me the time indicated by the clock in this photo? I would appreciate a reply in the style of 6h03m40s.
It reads 5h59m32s
